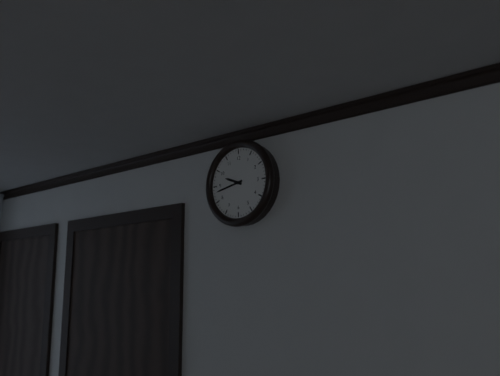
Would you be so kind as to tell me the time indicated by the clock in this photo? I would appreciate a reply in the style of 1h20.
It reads 9h43
